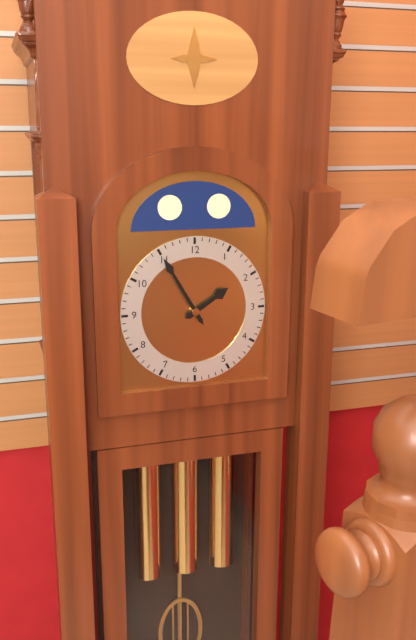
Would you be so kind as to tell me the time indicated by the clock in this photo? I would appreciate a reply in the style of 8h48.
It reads 1h55
